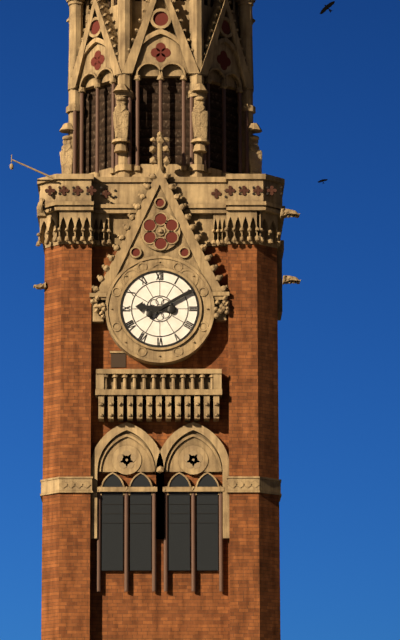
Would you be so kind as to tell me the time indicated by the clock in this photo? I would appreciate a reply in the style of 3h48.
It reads 9h10
